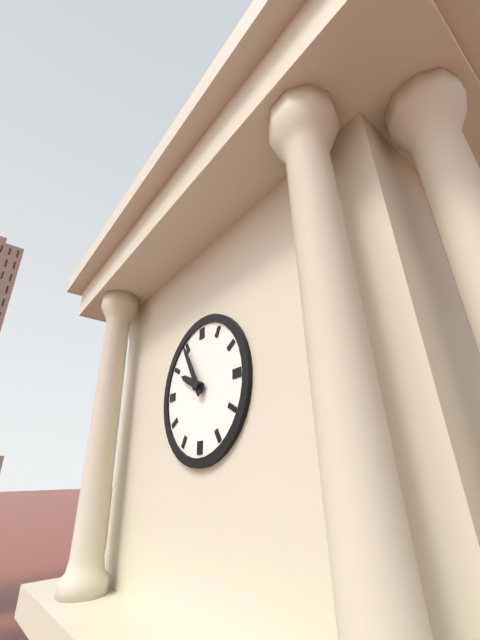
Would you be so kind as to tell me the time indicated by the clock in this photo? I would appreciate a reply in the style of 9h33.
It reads 9h55
